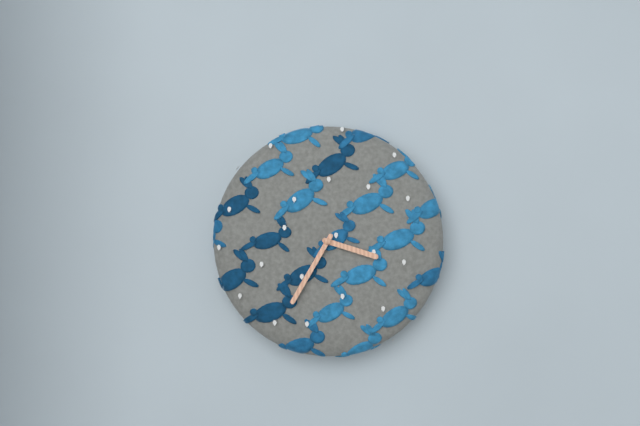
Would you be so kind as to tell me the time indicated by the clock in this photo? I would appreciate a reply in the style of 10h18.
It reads 3h35
